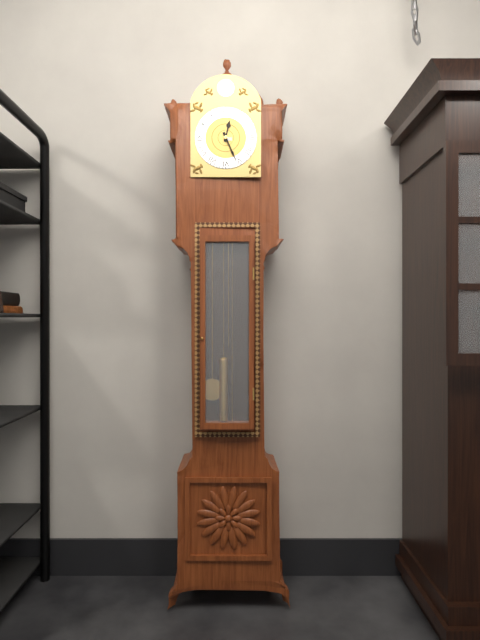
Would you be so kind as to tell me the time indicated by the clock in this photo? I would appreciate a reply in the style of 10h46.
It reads 12h26
